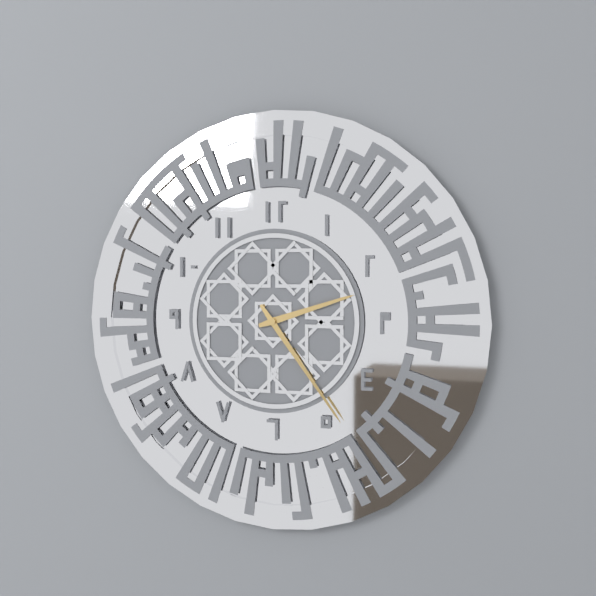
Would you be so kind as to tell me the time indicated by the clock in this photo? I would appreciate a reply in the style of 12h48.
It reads 2h24
